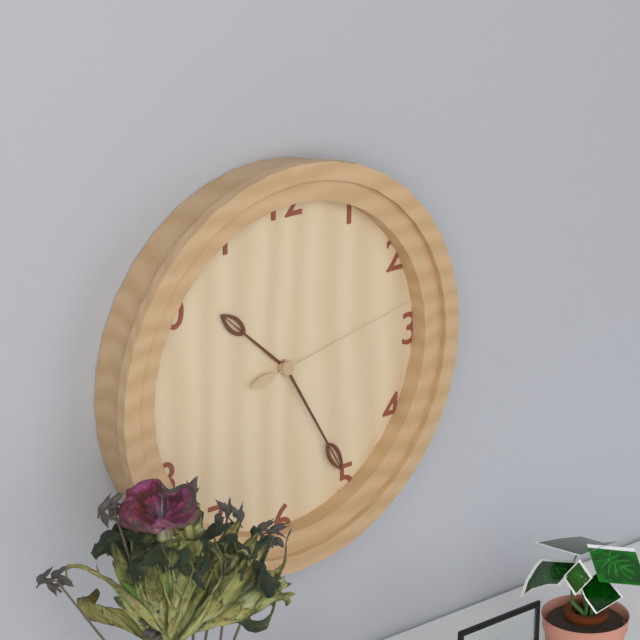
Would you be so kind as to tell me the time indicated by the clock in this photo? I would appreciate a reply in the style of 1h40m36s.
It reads 10h25m13s
